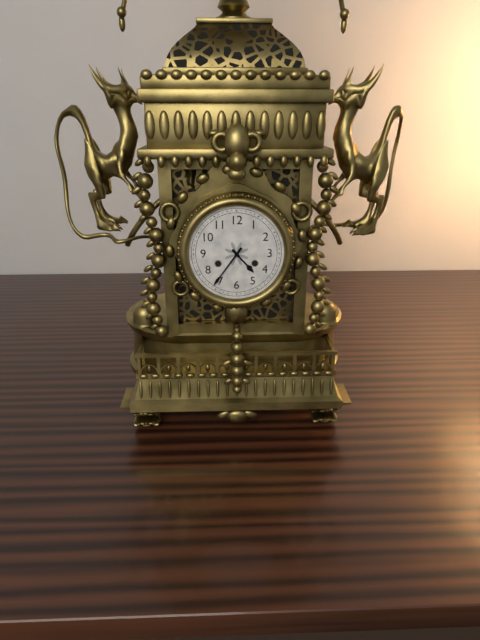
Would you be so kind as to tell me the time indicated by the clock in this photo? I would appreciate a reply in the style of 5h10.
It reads 4h36
